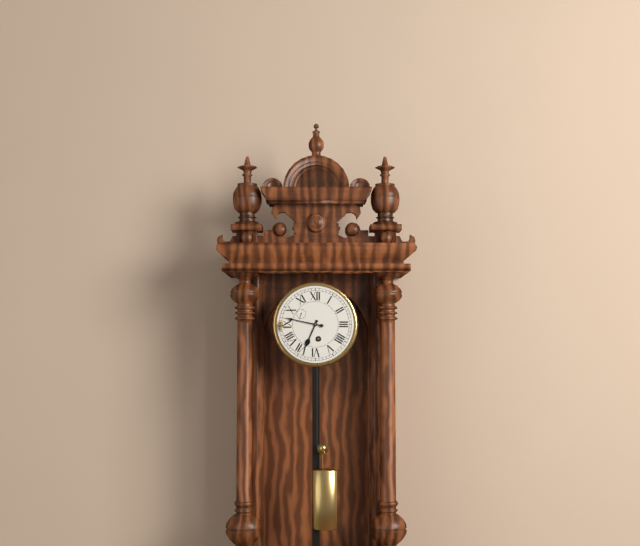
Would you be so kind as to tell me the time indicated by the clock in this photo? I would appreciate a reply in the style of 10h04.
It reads 6h47
